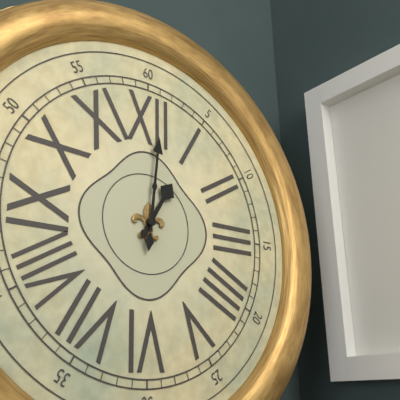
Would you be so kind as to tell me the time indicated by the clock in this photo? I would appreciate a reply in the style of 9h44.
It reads 1h01
